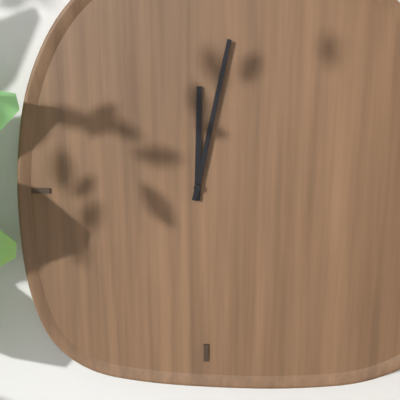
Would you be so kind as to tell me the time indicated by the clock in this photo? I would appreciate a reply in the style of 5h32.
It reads 12h02
